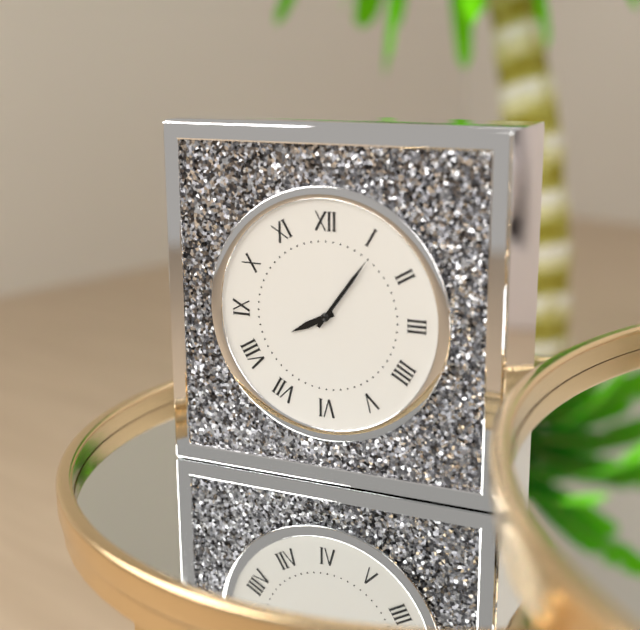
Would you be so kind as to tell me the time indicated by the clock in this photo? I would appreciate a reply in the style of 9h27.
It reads 8h06
